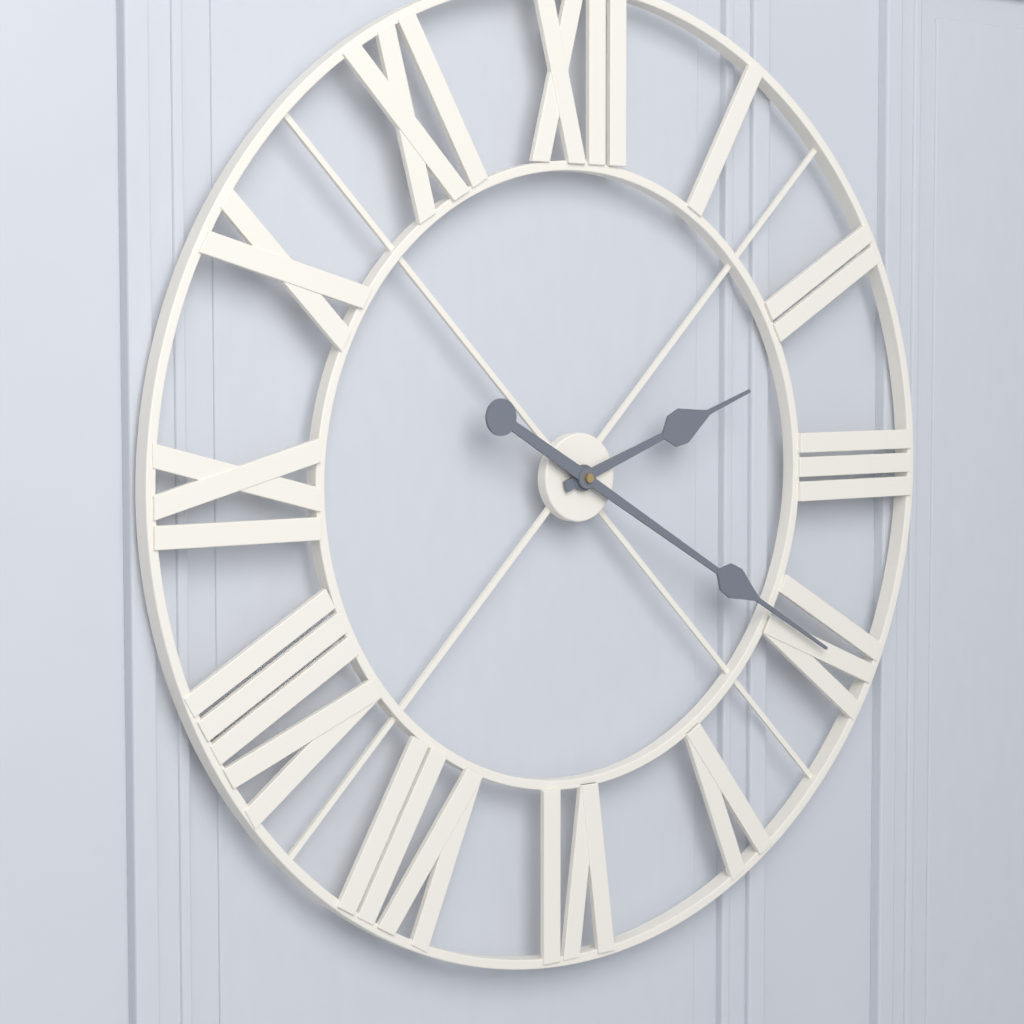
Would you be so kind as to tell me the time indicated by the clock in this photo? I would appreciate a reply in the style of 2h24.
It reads 2h20
